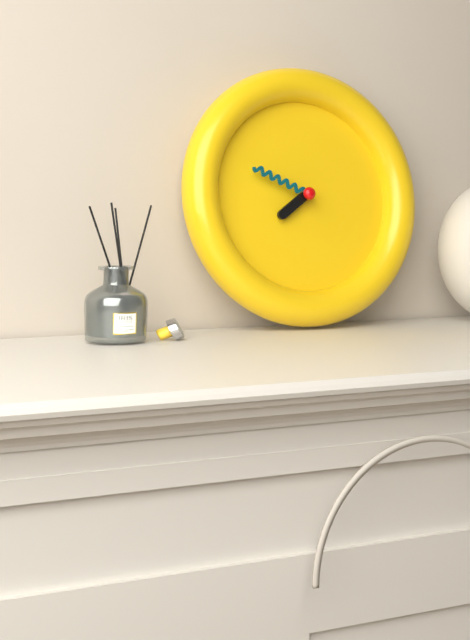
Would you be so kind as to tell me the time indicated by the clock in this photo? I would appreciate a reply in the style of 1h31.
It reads 7h49
